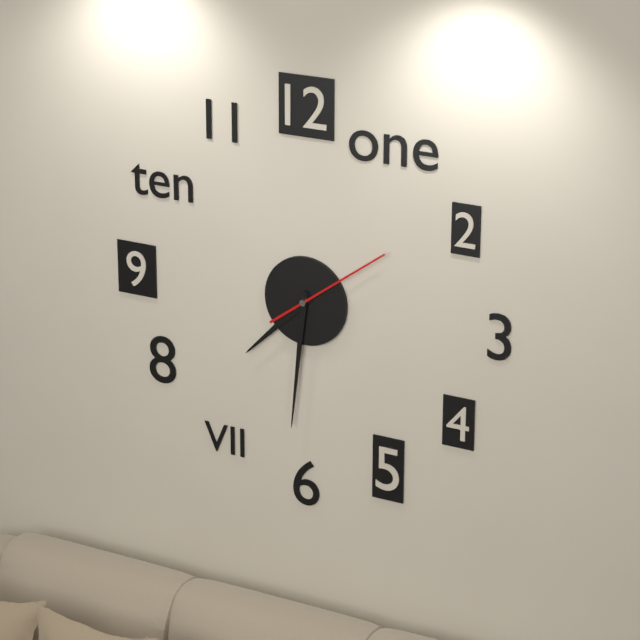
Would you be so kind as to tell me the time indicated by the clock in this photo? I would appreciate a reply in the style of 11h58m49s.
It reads 7h31m09s
